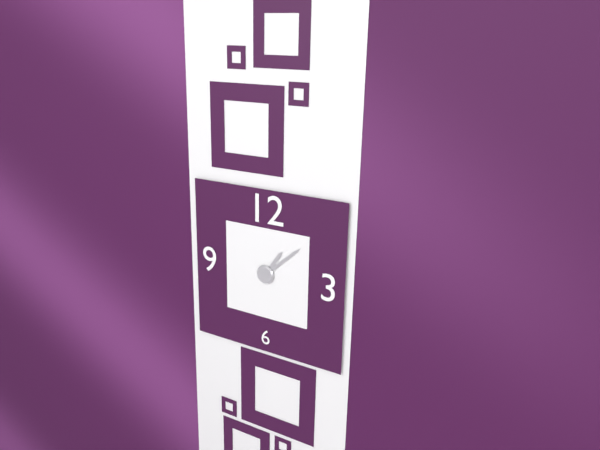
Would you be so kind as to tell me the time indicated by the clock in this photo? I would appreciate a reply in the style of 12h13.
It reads 1h08
